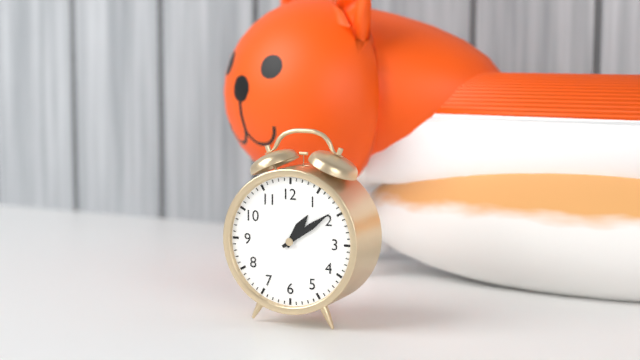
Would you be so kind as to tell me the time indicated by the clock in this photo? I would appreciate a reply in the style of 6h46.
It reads 1h09
